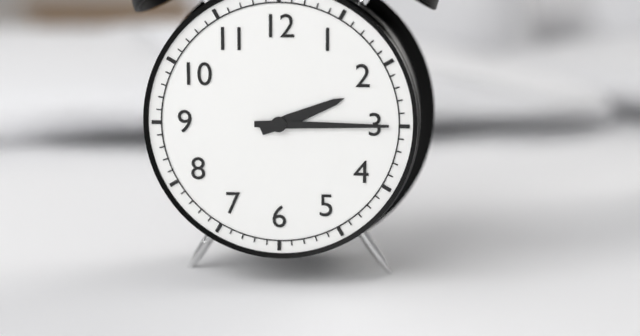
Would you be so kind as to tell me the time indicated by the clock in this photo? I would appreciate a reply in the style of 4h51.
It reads 2h15
